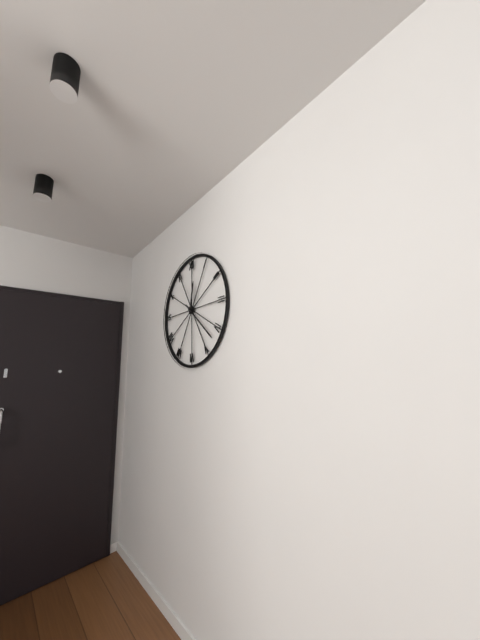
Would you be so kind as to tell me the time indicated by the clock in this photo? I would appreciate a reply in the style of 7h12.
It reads 12h22
